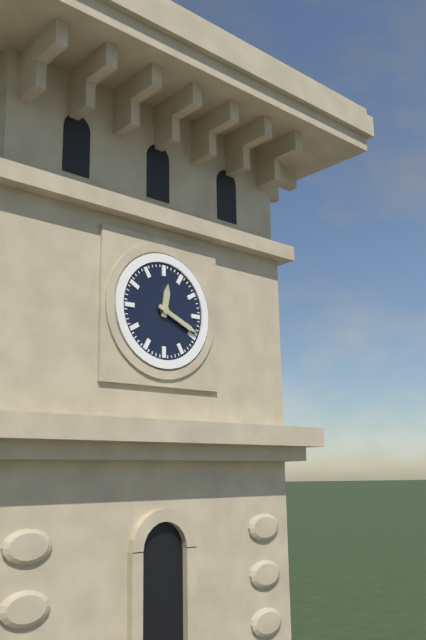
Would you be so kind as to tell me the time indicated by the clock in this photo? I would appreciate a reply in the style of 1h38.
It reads 12h19
